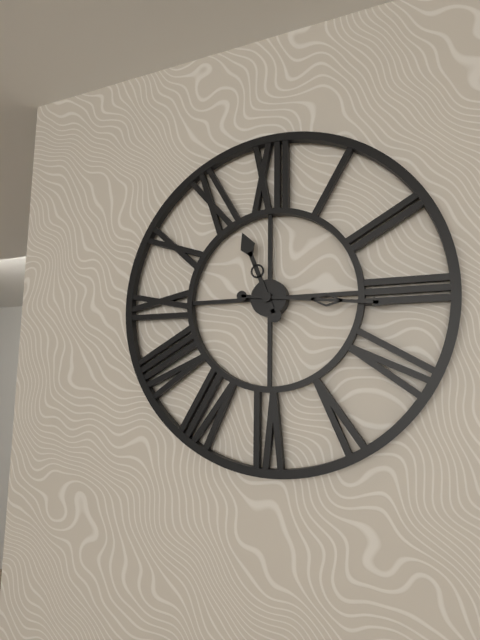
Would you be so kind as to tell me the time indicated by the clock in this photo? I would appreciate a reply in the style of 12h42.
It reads 11h16
